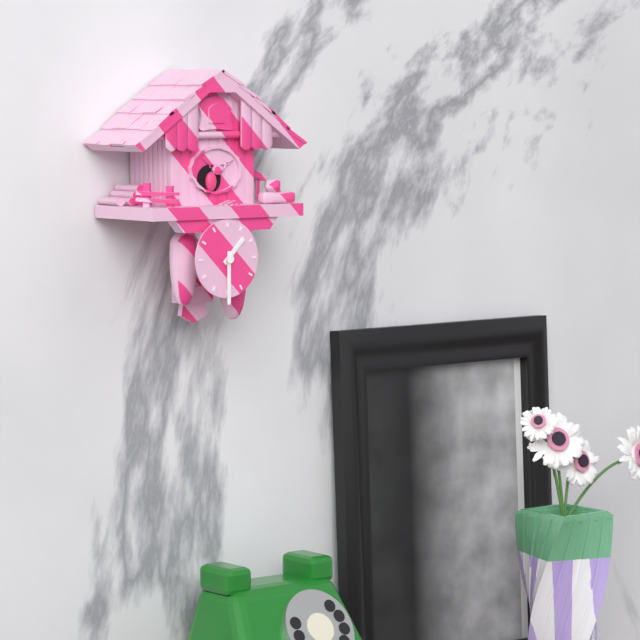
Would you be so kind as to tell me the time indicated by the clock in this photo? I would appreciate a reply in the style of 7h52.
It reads 1h30
